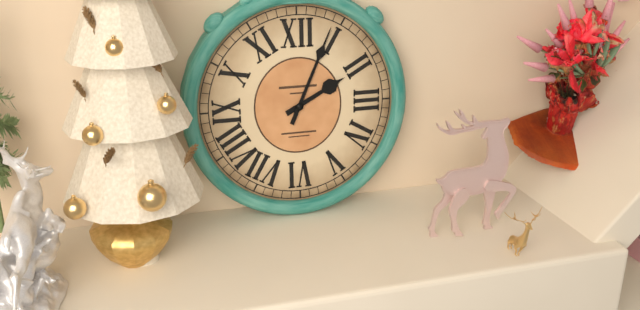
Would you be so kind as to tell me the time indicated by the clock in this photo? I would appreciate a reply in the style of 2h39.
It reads 2h04
